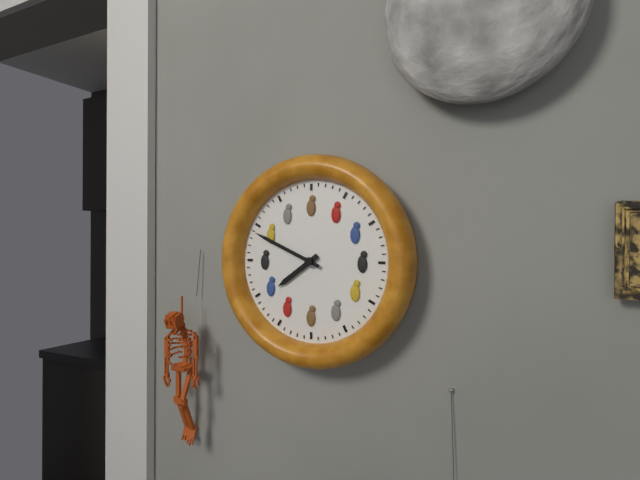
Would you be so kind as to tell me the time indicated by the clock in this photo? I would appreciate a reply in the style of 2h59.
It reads 7h49
